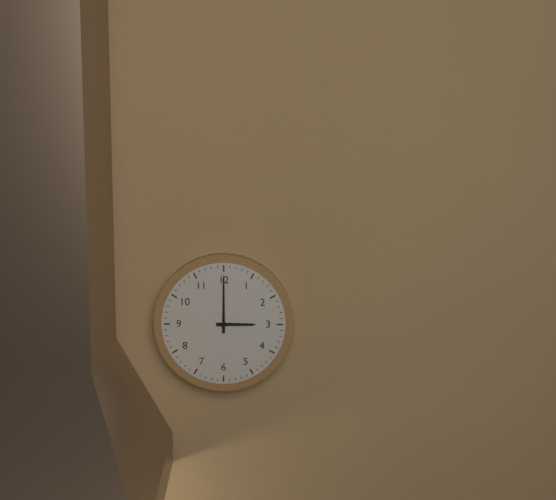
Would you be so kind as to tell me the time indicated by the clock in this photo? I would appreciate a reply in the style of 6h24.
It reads 3h00
